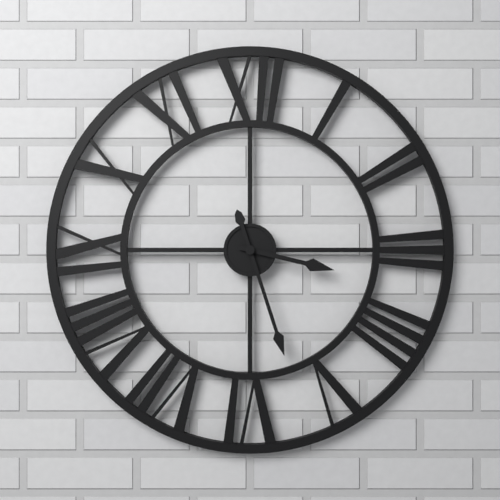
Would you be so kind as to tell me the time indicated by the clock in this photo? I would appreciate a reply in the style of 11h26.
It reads 3h27
